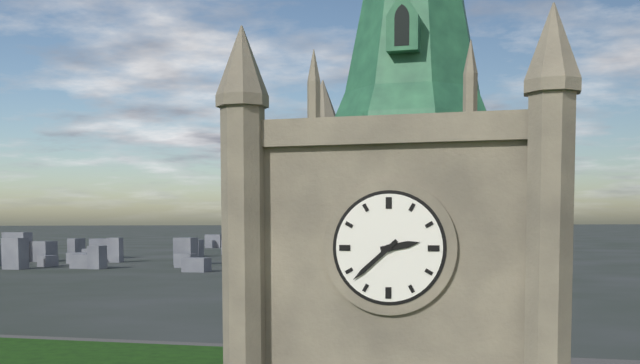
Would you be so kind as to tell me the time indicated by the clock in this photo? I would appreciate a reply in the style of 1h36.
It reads 2h38
